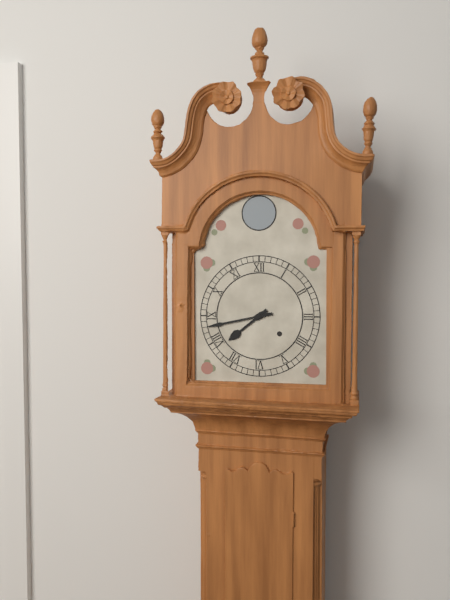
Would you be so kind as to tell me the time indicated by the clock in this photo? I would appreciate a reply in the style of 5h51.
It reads 7h43
